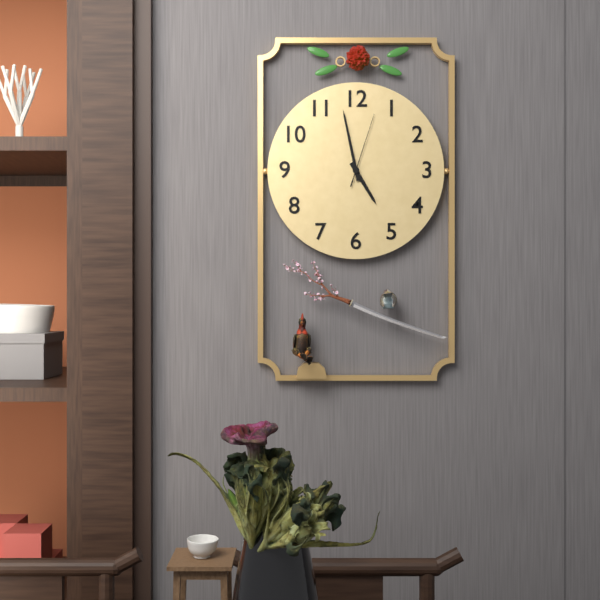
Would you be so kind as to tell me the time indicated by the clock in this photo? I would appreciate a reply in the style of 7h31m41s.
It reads 4h58m03s
